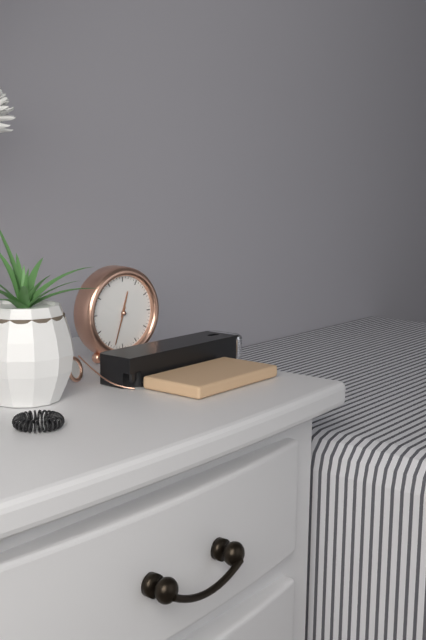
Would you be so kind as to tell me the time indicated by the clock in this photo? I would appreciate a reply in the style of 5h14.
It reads 12h33
